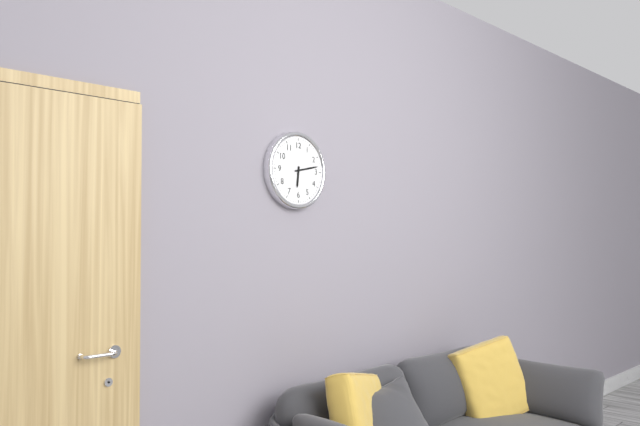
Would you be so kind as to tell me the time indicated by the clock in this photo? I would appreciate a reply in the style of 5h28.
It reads 6h13
